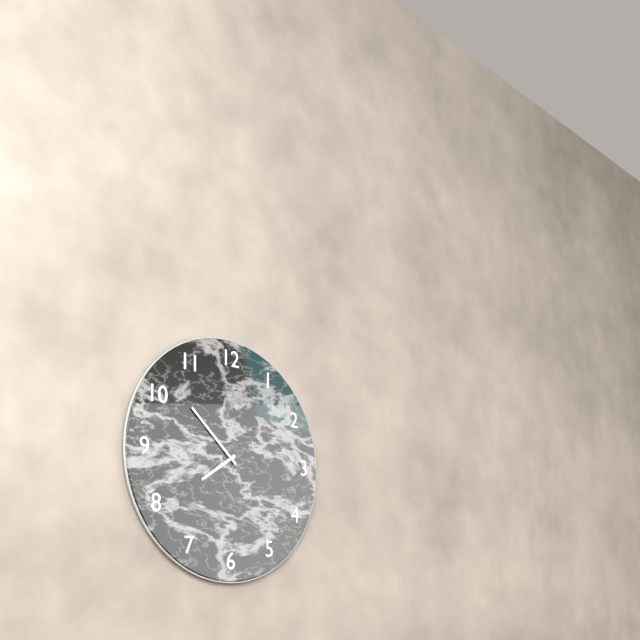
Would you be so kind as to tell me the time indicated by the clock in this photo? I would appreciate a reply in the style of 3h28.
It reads 7h52
